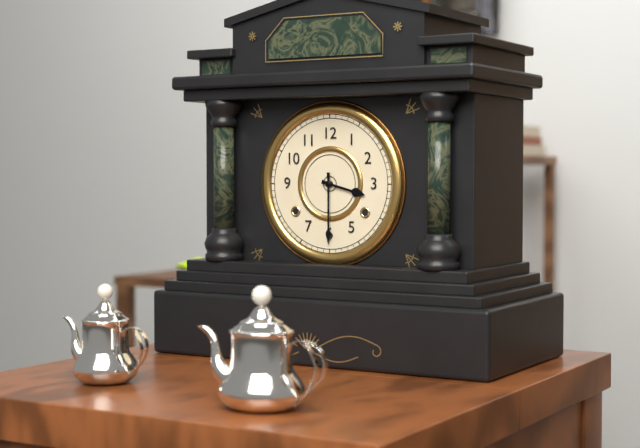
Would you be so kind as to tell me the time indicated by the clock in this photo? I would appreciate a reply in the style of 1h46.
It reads 3h30
